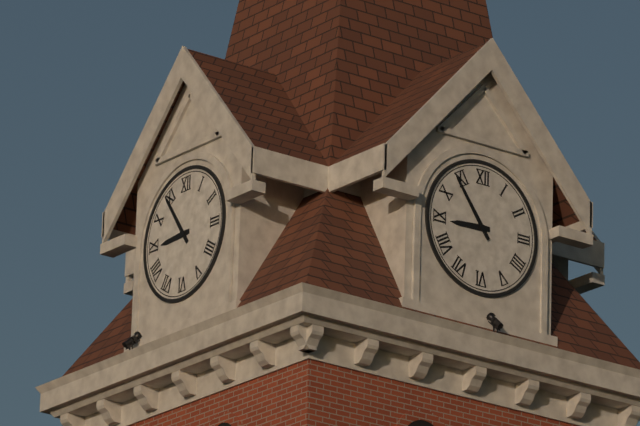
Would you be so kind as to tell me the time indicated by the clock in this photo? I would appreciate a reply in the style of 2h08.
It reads 8h54
